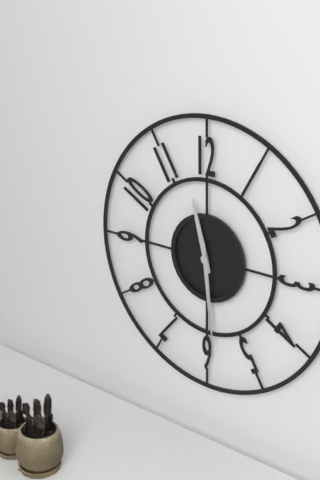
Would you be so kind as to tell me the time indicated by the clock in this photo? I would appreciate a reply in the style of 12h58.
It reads 11h29
